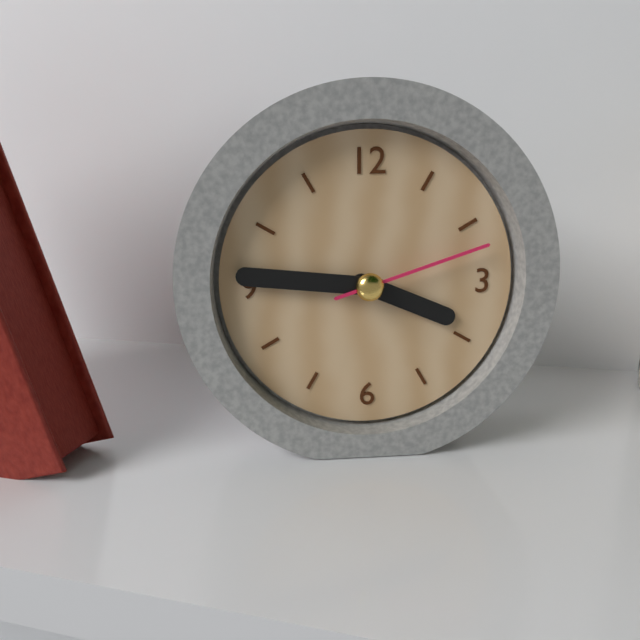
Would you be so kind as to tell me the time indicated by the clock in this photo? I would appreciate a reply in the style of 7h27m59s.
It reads 3h46m12s
